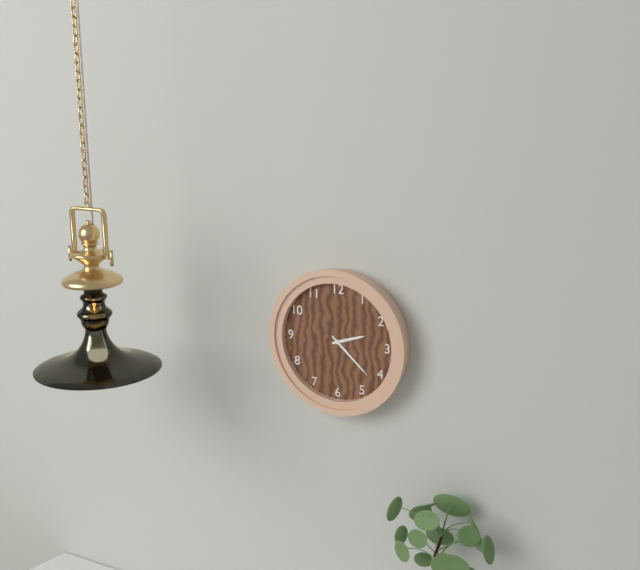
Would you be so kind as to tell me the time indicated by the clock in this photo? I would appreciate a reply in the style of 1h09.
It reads 2h22
